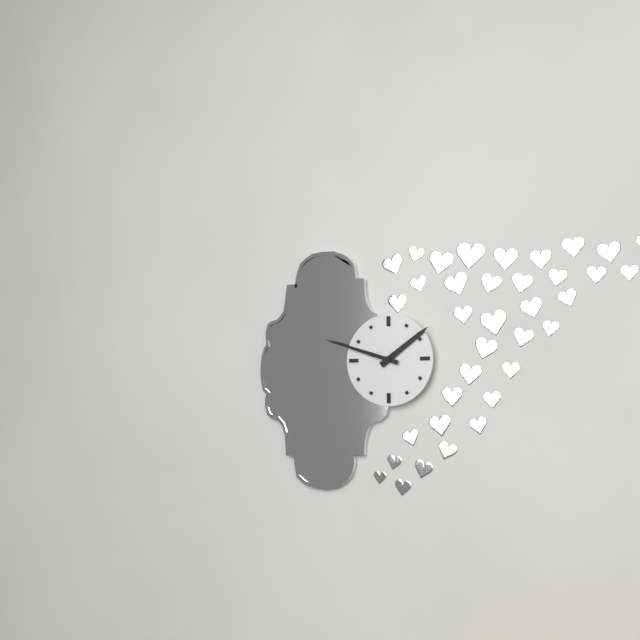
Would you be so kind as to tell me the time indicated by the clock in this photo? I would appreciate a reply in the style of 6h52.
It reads 1h48
